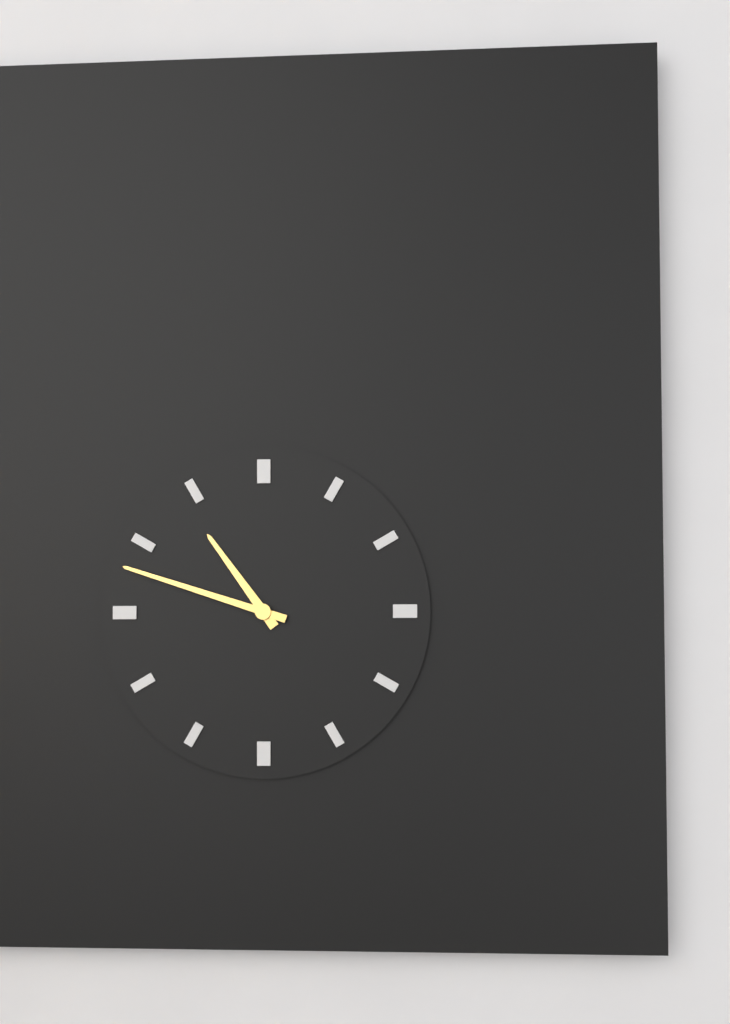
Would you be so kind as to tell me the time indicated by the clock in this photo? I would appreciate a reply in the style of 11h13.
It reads 10h48
